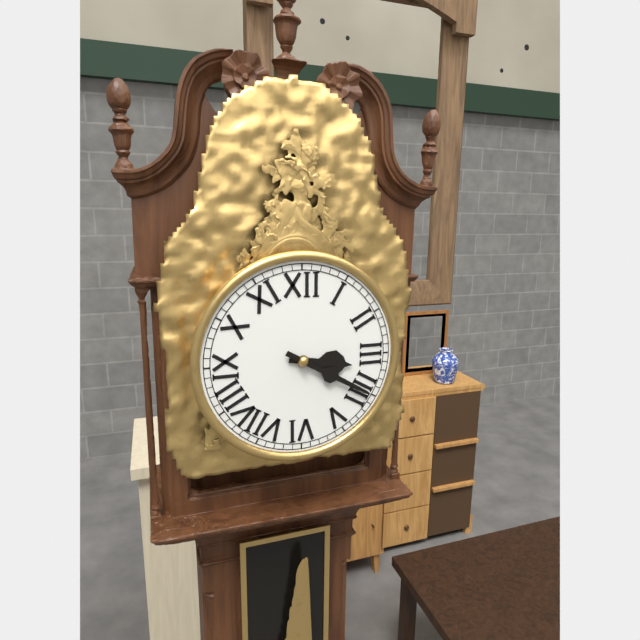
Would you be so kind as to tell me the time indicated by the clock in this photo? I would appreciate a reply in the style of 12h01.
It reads 3h20
